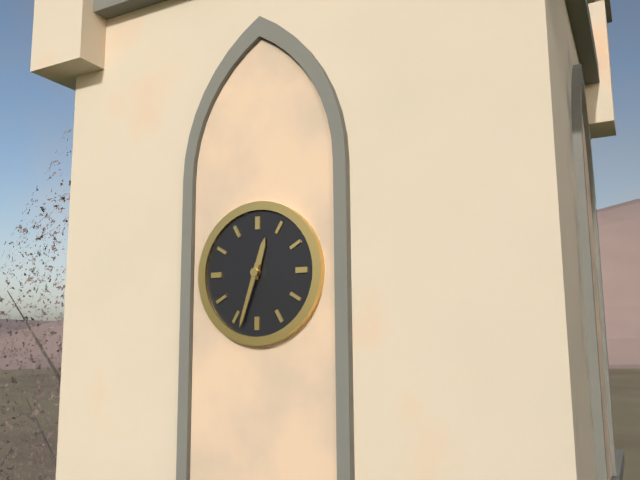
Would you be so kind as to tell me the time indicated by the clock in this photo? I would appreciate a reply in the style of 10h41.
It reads 12h33
